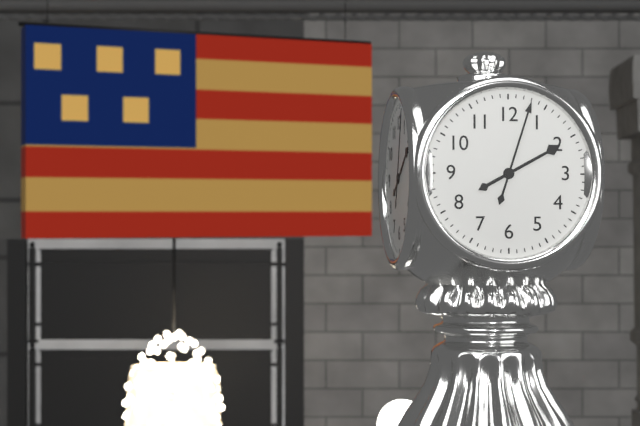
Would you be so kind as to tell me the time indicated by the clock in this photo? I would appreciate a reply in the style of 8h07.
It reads 2h03
